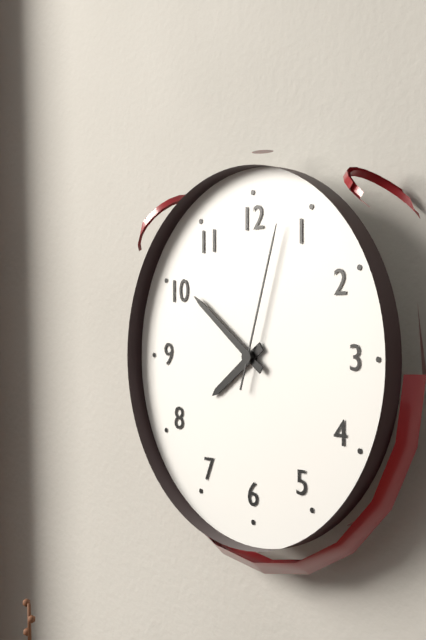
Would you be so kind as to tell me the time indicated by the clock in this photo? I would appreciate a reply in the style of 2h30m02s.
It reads 7h51m03s
